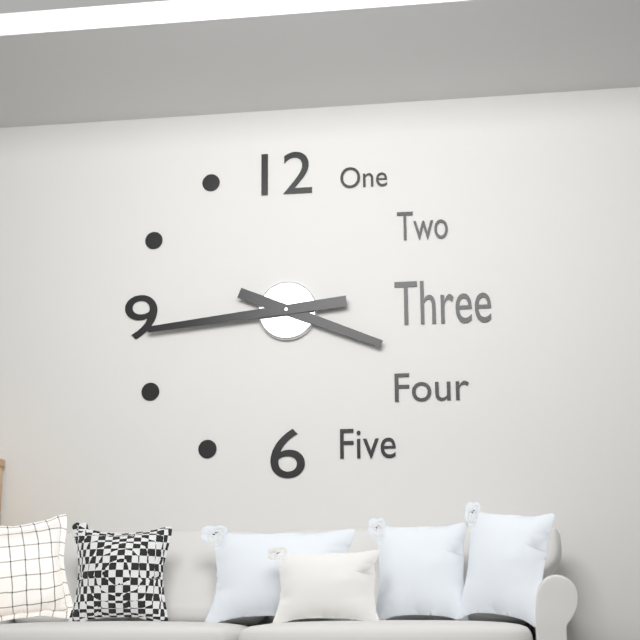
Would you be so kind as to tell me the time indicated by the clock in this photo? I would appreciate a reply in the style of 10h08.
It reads 3h44
